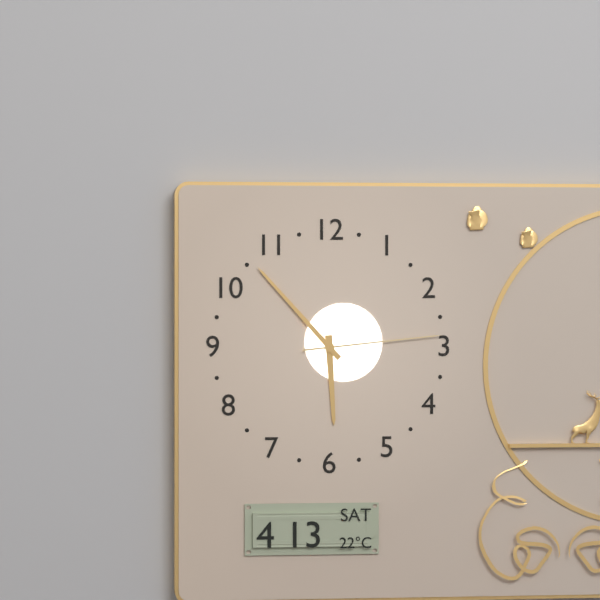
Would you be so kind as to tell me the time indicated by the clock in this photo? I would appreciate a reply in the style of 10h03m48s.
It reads 5h53m14s
